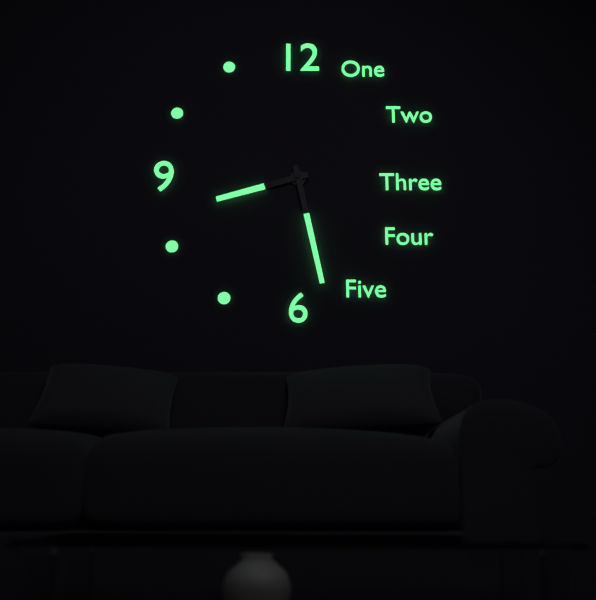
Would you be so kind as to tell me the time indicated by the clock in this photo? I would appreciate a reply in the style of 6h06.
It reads 8h28
